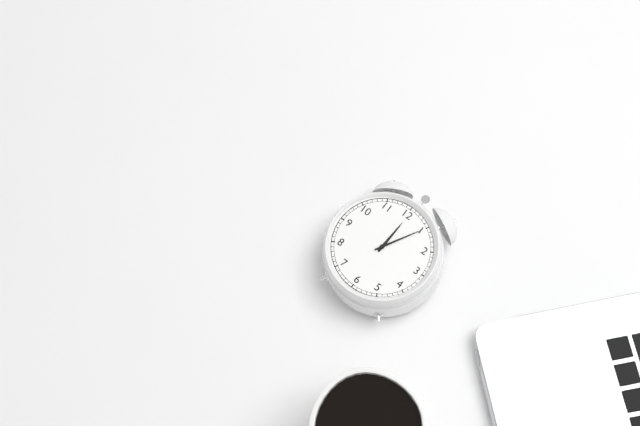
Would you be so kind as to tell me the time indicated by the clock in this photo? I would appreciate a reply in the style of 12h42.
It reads 12h05
